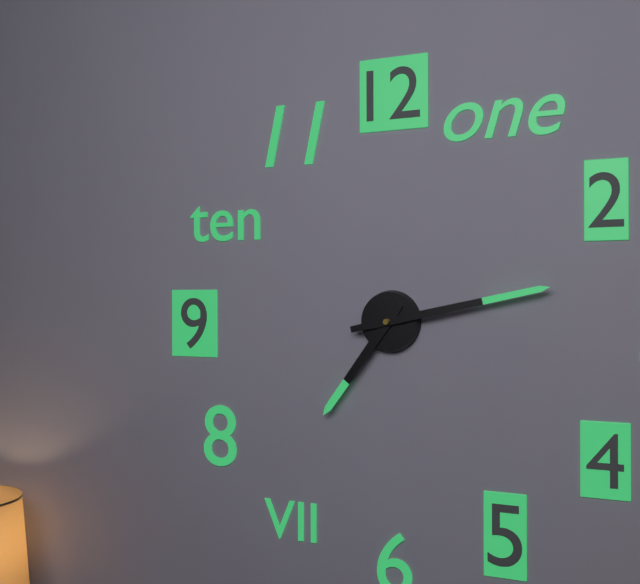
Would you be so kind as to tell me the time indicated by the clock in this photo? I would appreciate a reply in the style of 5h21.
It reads 7h13
